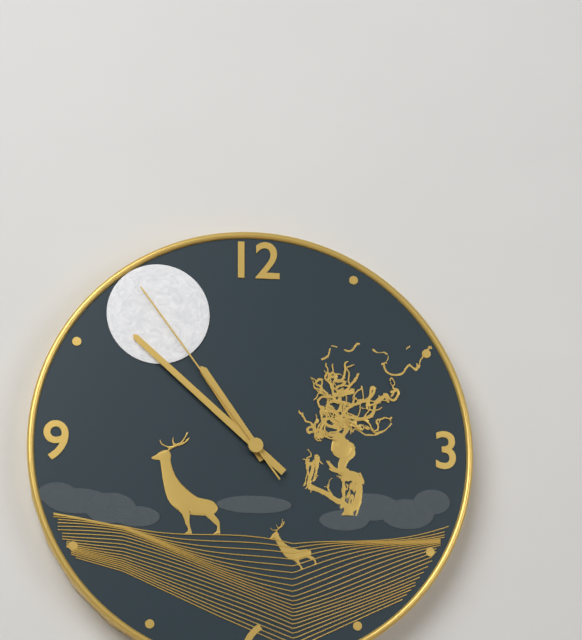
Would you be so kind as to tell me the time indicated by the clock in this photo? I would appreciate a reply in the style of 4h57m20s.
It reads 10h52m54s
